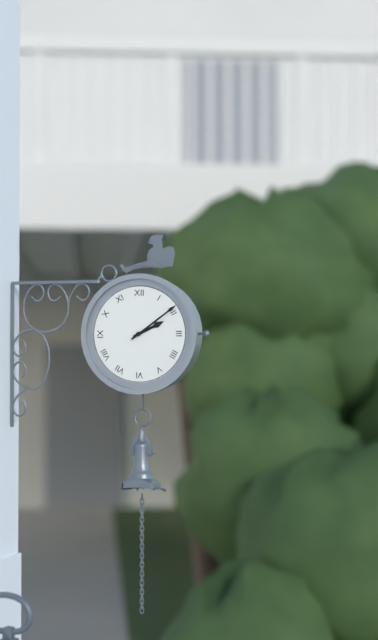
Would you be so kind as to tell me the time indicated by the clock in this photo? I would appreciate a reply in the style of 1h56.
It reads 2h09
